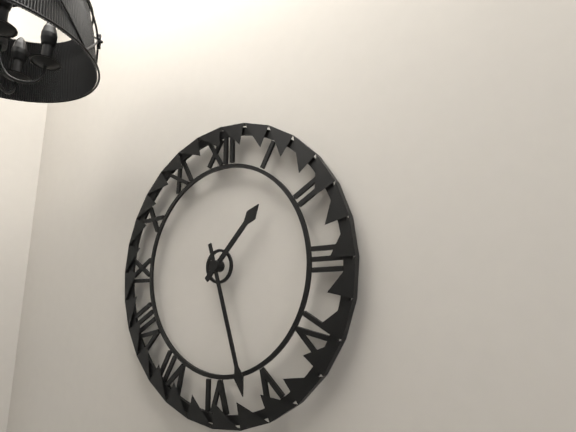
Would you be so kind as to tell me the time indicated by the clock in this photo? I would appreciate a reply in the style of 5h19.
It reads 1h27
